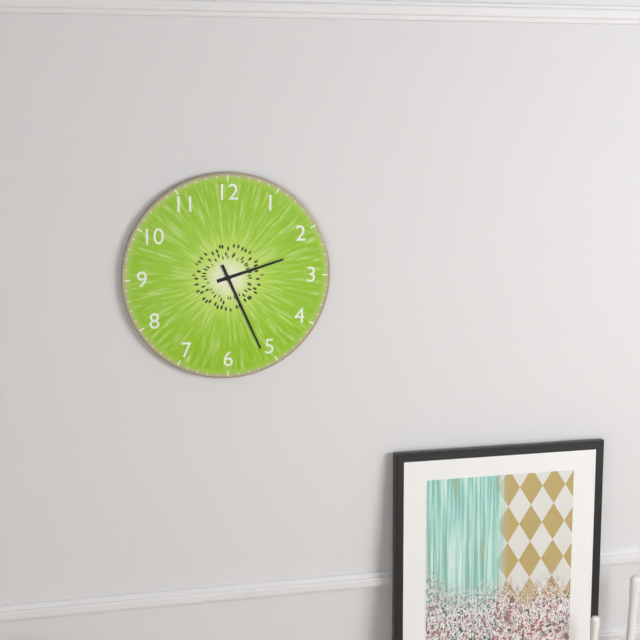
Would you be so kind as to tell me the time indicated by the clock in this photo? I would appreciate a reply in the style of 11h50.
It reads 2h26
